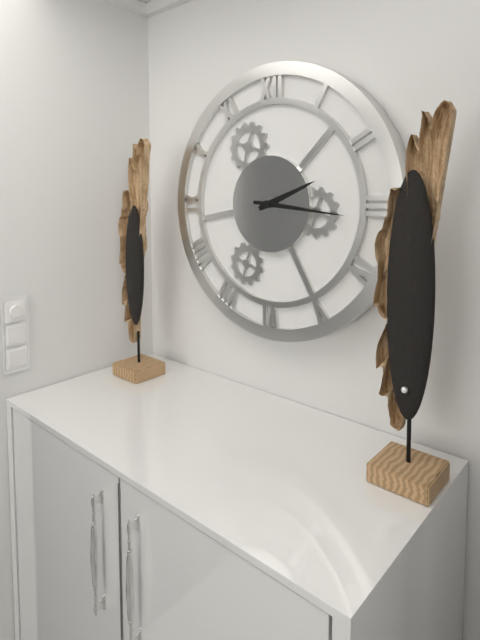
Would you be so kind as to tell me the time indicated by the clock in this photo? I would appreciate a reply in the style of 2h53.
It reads 2h16
